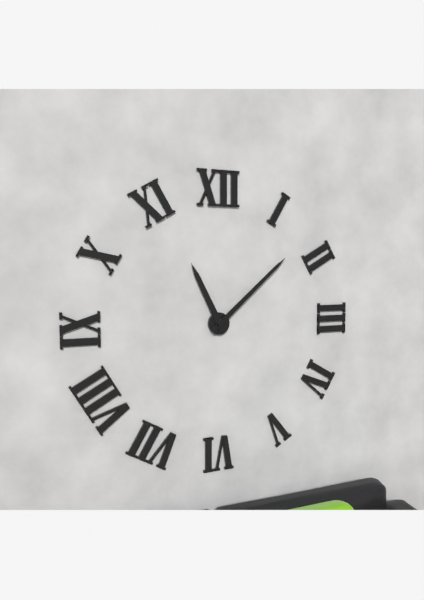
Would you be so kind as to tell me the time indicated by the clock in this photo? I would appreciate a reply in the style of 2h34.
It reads 11h08
